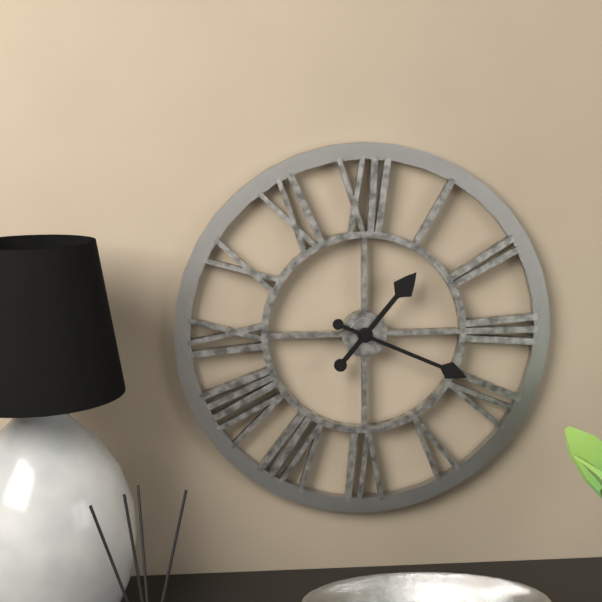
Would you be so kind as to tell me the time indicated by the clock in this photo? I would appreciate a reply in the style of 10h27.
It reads 1h19
